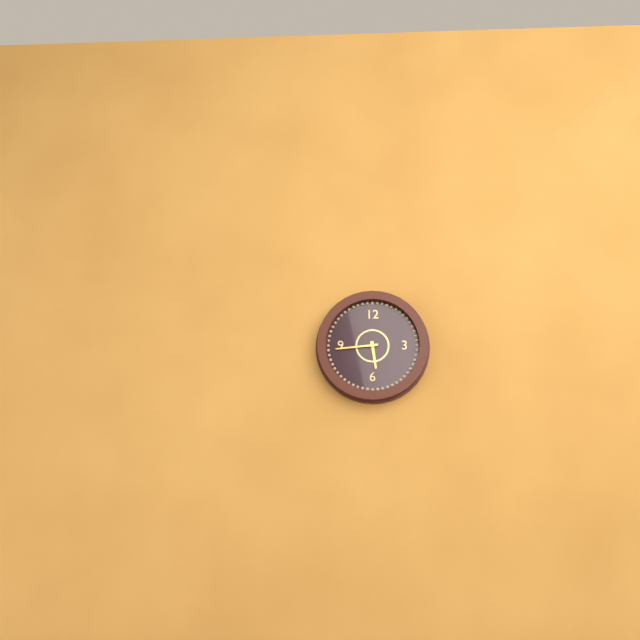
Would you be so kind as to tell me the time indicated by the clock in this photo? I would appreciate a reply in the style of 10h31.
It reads 5h44
